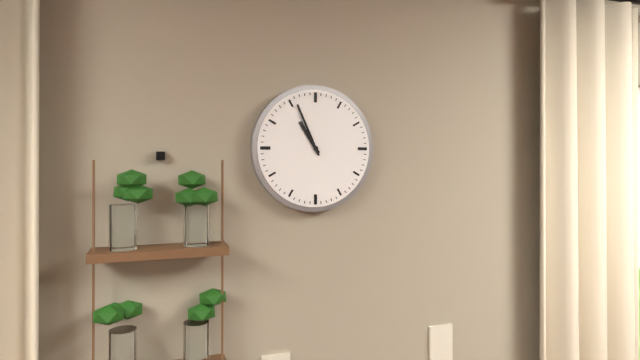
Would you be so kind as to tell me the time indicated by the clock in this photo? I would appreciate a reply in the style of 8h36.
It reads 10h56
